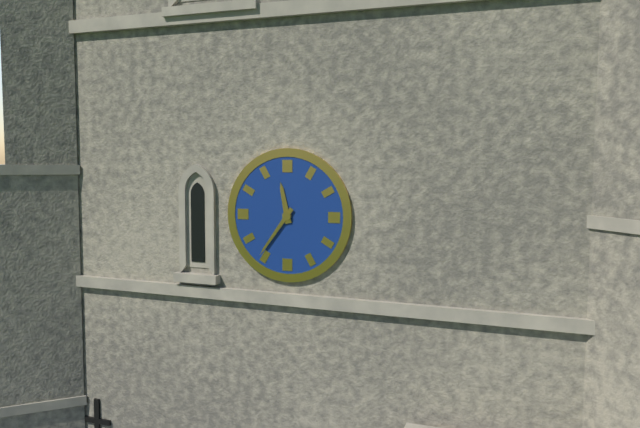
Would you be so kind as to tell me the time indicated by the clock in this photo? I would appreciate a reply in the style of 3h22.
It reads 11h36
